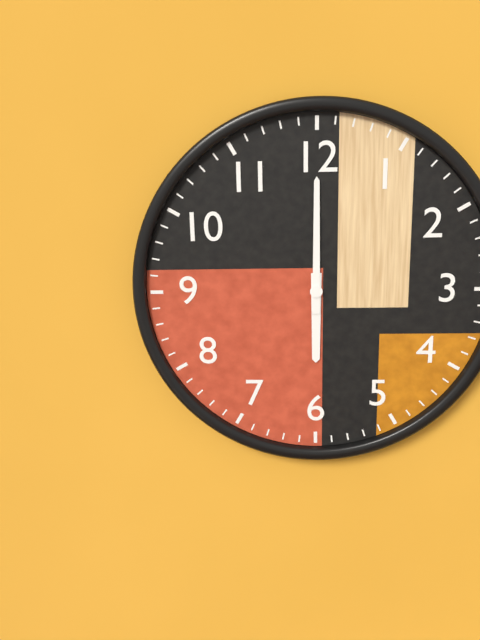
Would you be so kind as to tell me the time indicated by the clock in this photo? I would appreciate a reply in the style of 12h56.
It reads 6h00
